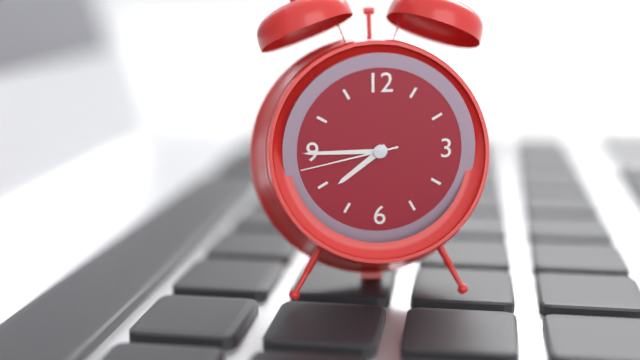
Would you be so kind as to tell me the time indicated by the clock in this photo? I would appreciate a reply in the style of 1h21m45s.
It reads 7h45m43s
